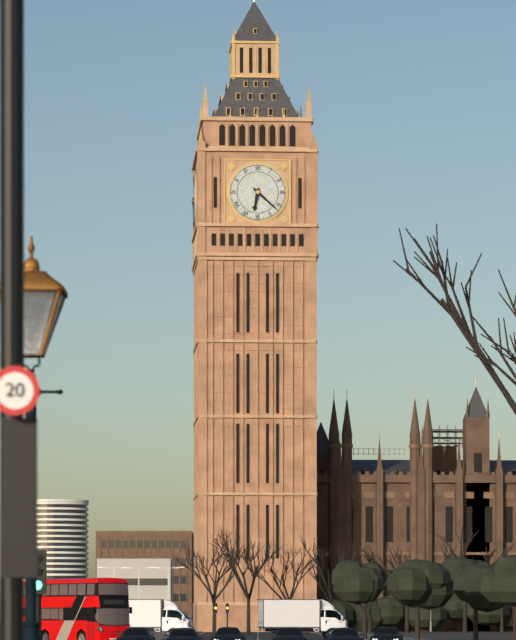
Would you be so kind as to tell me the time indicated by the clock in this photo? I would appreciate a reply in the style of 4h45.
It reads 6h22
